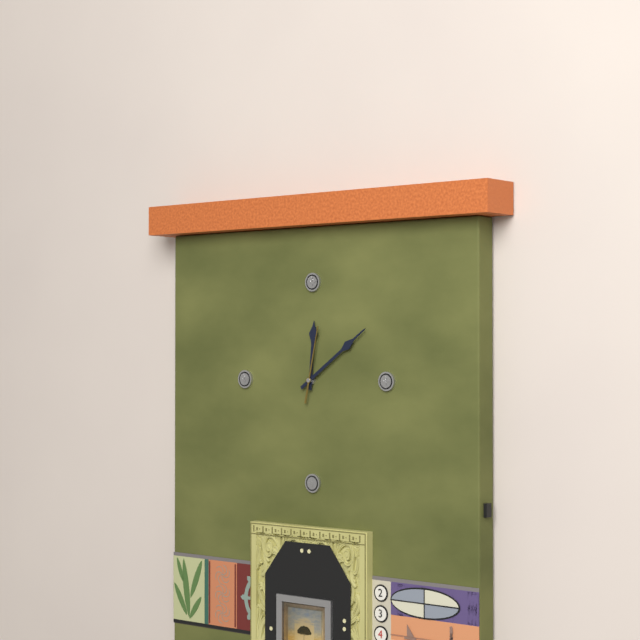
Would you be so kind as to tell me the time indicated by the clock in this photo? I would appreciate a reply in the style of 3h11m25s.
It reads 12h09m02s
